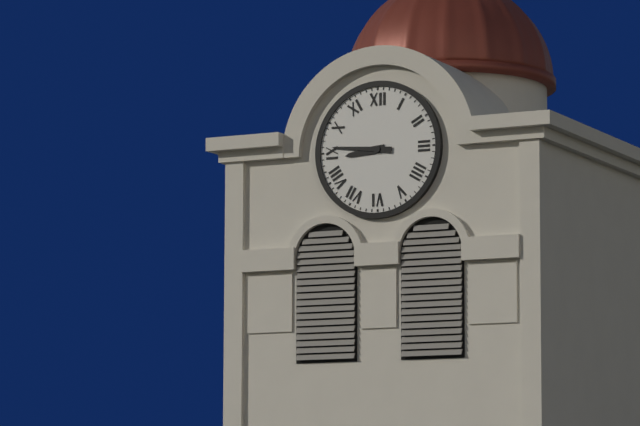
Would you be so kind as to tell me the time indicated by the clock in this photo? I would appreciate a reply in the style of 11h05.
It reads 8h46
